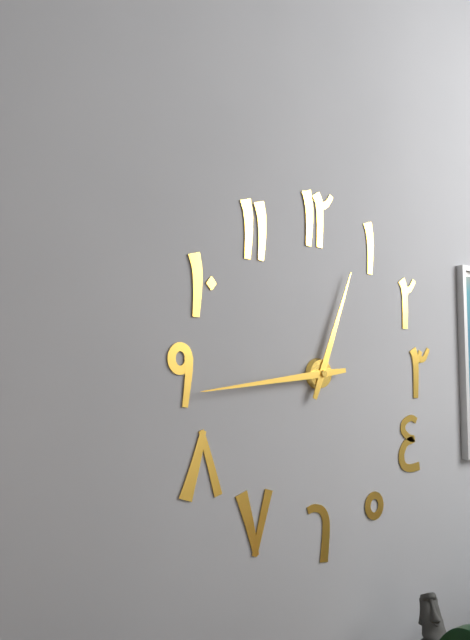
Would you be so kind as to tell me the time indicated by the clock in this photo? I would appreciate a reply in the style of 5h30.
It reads 12h44
